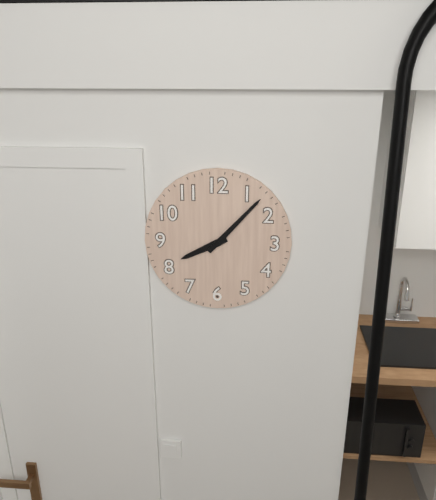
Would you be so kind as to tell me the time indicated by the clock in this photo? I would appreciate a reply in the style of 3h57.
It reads 8h07
